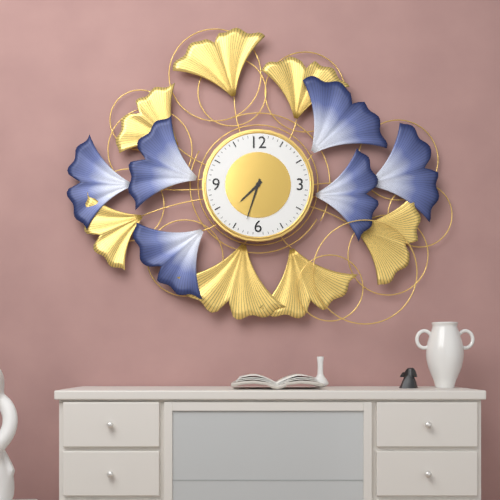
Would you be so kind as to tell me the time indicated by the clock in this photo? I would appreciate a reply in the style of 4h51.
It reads 7h33
